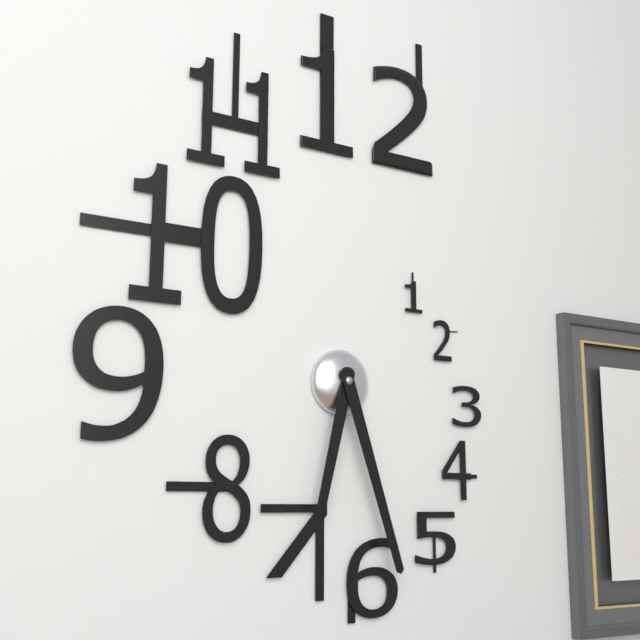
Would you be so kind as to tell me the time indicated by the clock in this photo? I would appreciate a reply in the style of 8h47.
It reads 6h27
